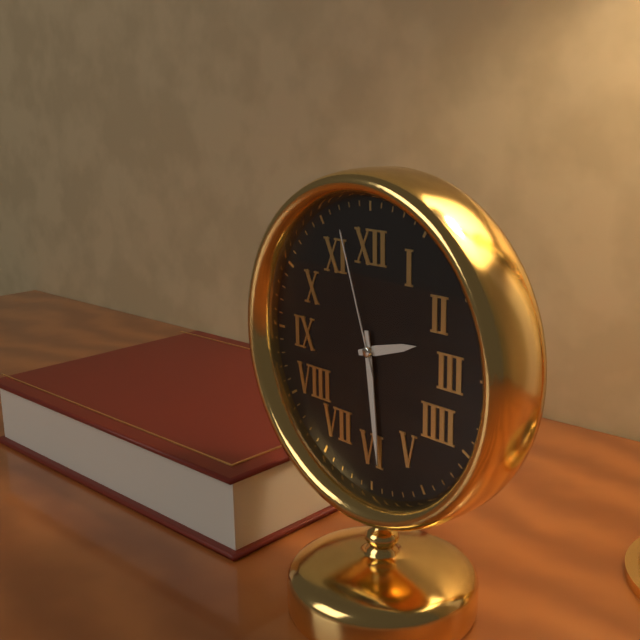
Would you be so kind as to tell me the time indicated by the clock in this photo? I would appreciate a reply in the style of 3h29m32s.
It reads 2h29m57s
